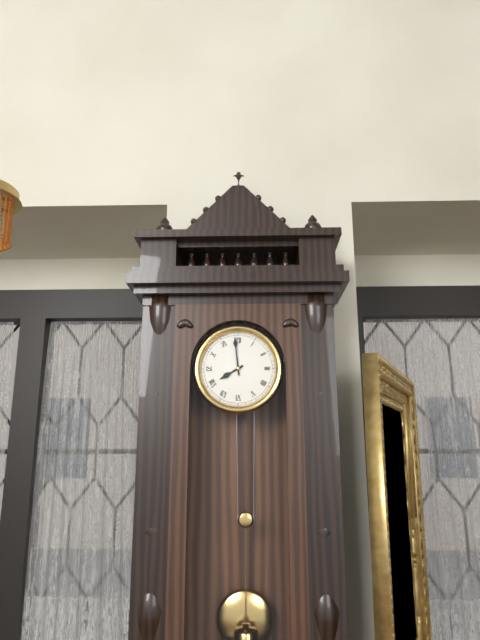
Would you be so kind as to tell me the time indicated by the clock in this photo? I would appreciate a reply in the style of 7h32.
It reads 7h59
